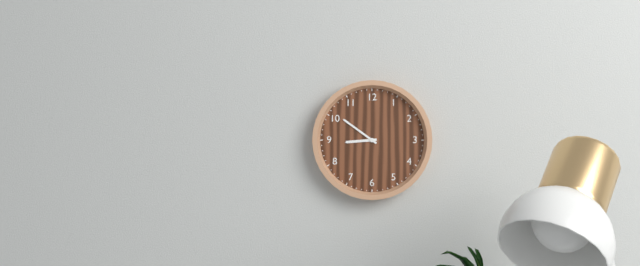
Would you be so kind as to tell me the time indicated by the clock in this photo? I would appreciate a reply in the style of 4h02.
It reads 8h51
